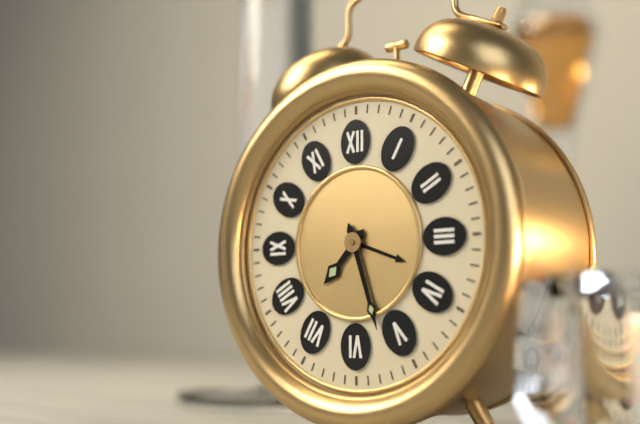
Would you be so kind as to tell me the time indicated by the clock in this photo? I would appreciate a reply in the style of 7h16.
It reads 7h27
